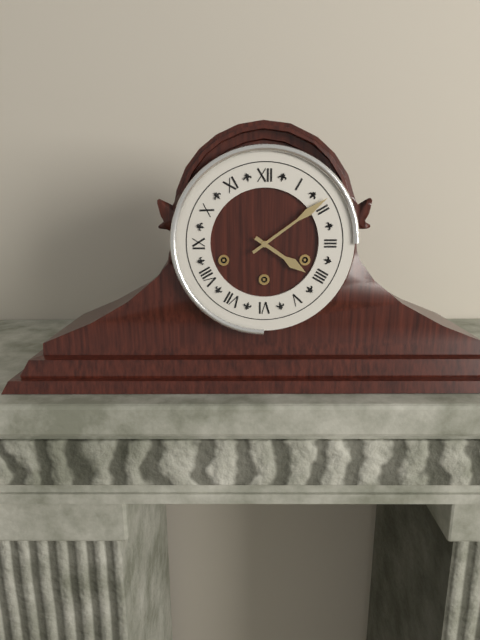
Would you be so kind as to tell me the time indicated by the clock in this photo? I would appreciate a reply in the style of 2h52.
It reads 4h09
